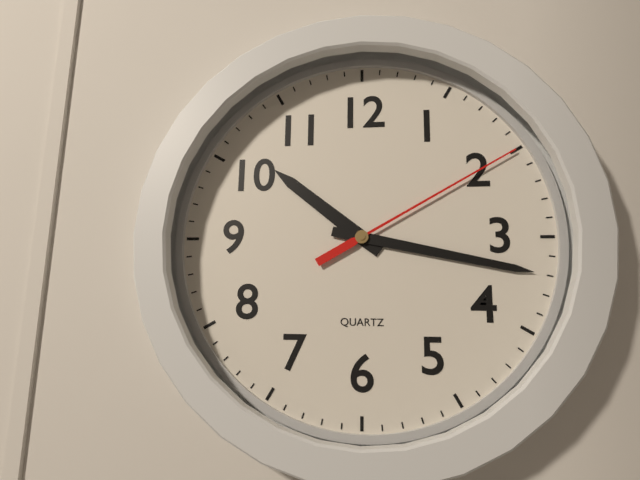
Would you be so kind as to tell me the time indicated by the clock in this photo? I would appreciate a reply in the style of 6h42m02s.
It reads 10h17m10s
